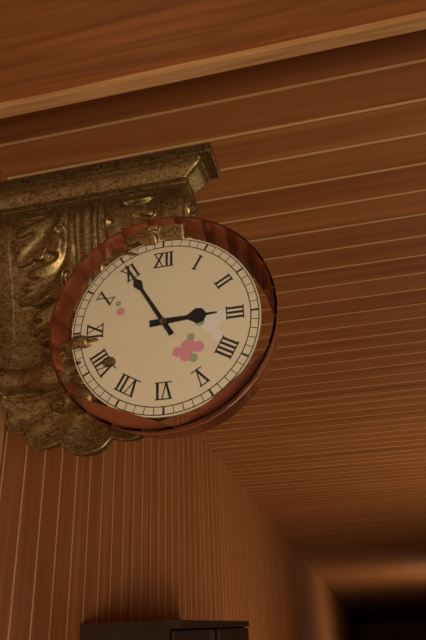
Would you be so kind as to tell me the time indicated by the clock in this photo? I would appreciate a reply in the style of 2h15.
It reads 2h55
